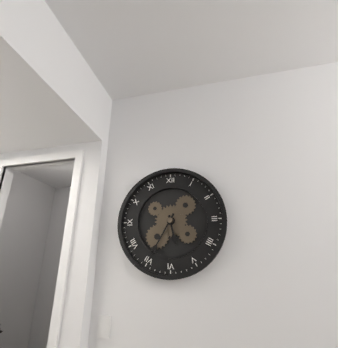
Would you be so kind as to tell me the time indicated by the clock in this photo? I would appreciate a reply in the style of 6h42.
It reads 5h35
